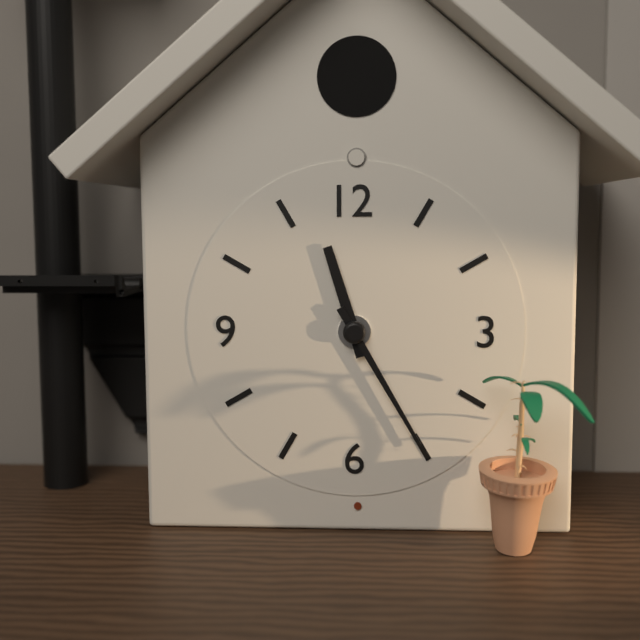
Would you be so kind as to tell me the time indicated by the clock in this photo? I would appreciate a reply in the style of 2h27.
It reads 11h25
